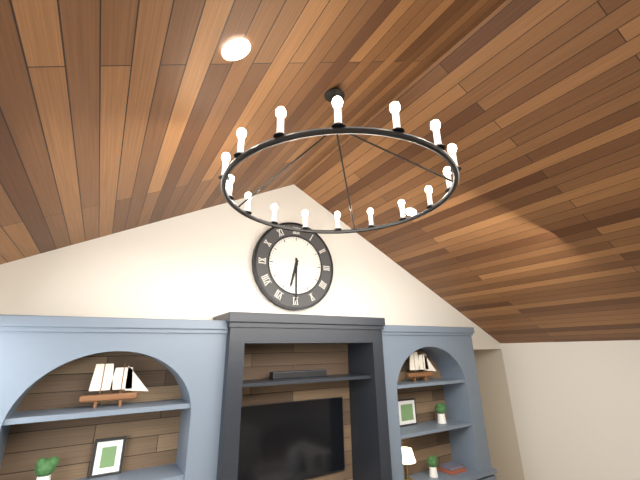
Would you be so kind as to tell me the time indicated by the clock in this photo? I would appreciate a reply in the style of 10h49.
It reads 6h30
